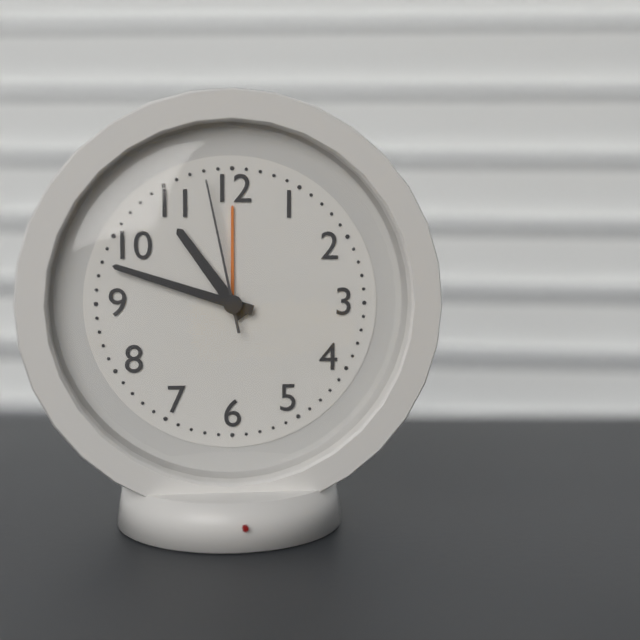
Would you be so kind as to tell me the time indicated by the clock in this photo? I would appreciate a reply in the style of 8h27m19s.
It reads 10h48m58s
